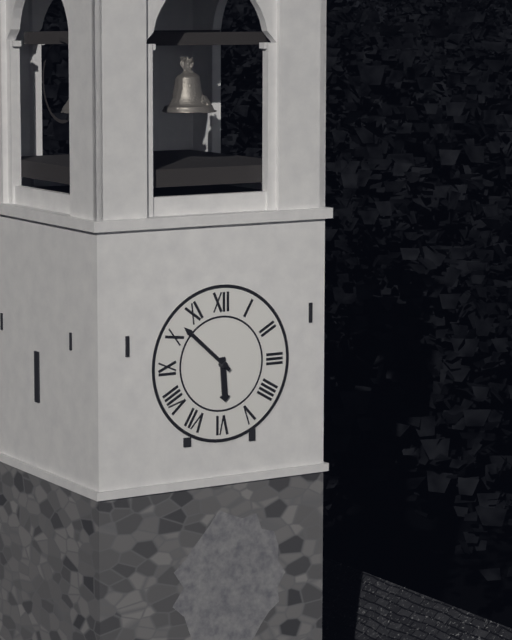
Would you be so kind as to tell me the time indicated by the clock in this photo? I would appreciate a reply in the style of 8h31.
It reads 5h52
